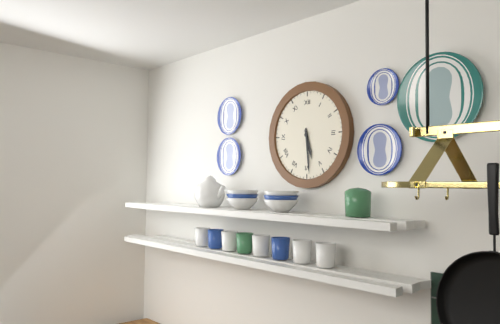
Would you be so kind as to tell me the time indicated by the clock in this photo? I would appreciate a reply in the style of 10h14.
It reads 5h29
